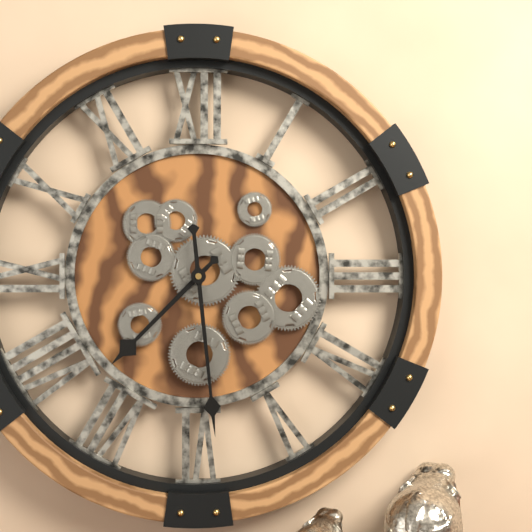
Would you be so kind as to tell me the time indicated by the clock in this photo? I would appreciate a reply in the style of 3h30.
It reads 7h29
